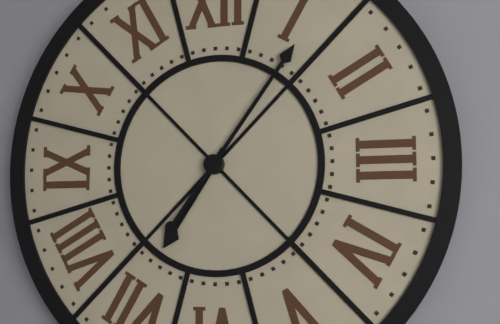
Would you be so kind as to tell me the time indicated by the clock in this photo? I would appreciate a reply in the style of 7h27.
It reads 7h06
